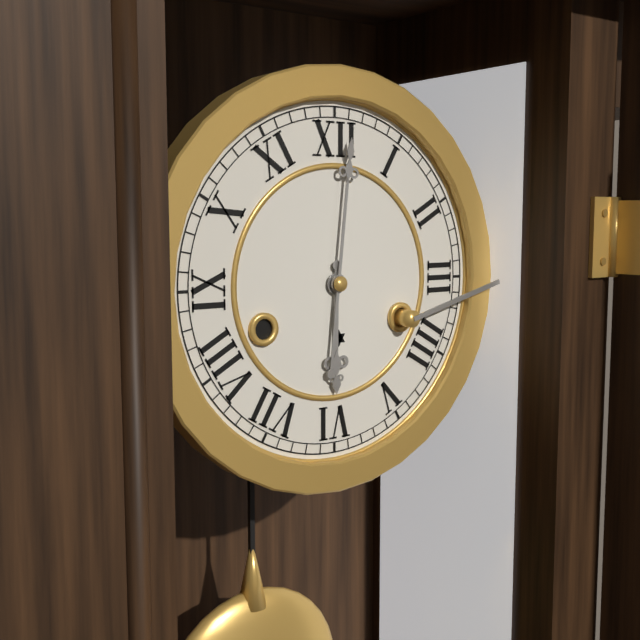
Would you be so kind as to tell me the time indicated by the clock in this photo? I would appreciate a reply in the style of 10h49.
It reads 6h01
